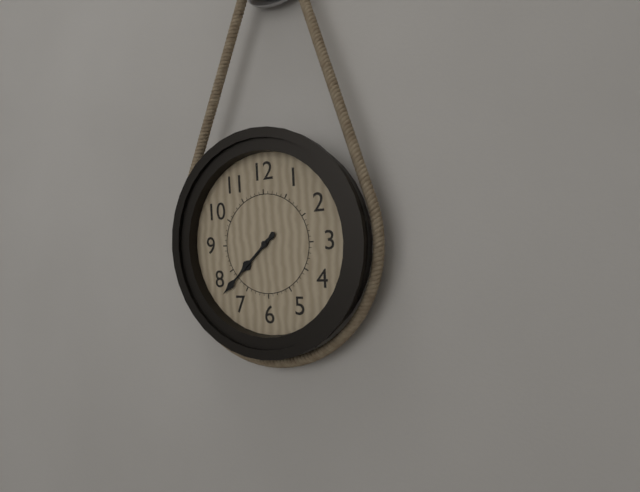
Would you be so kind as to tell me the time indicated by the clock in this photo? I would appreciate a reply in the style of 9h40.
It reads 7h38
